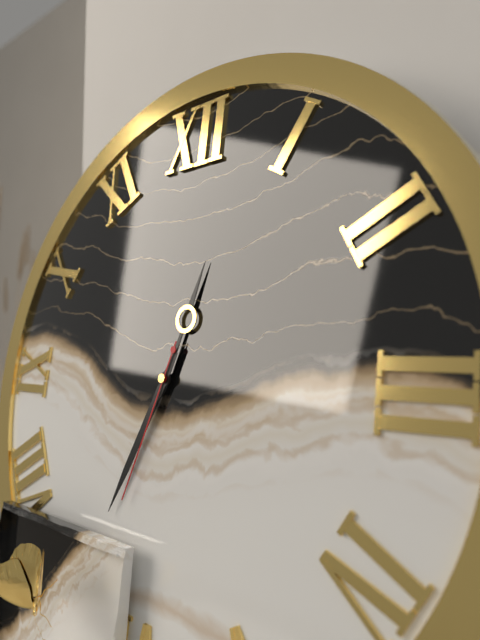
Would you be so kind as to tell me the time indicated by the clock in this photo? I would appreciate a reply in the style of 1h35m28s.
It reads 12h34m33s
